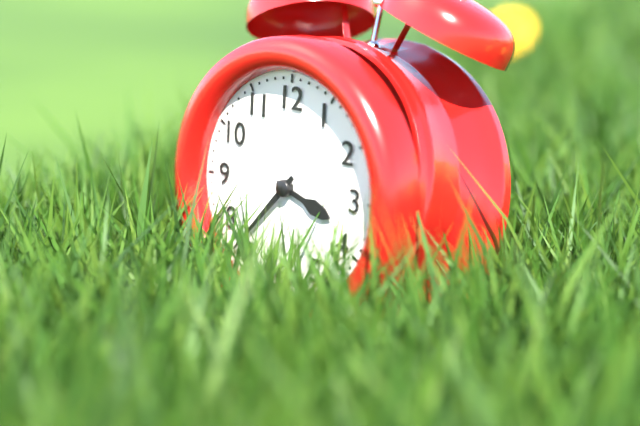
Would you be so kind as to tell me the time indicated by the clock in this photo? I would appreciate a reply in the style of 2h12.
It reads 3h37
